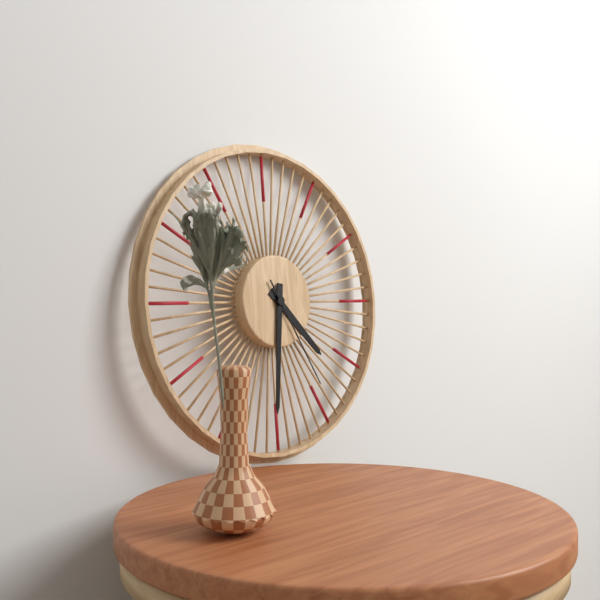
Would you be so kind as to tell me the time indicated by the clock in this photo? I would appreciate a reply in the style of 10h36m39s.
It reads 4h31m25s
